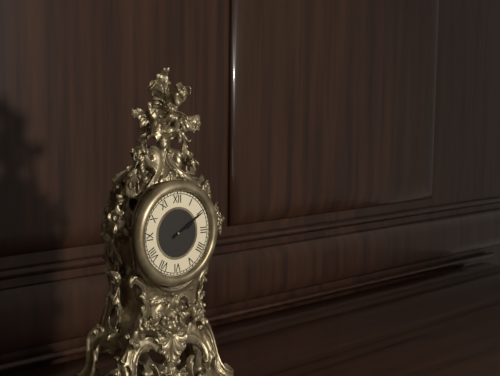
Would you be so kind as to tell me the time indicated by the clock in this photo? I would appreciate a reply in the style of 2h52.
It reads 2h10
